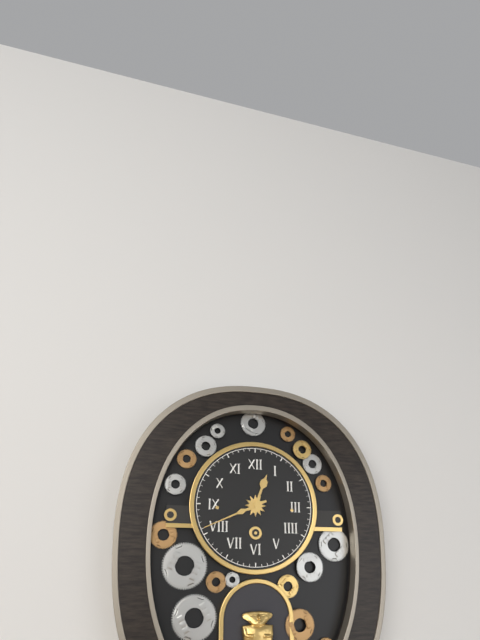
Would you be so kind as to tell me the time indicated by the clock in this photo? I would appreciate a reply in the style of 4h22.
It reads 12h41
